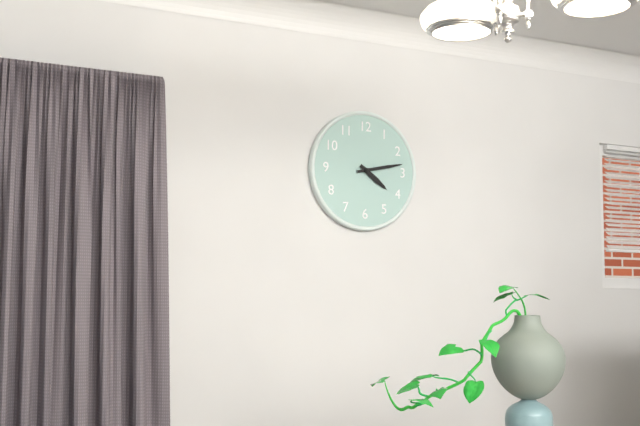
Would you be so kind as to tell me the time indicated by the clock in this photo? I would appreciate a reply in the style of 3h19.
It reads 4h13
